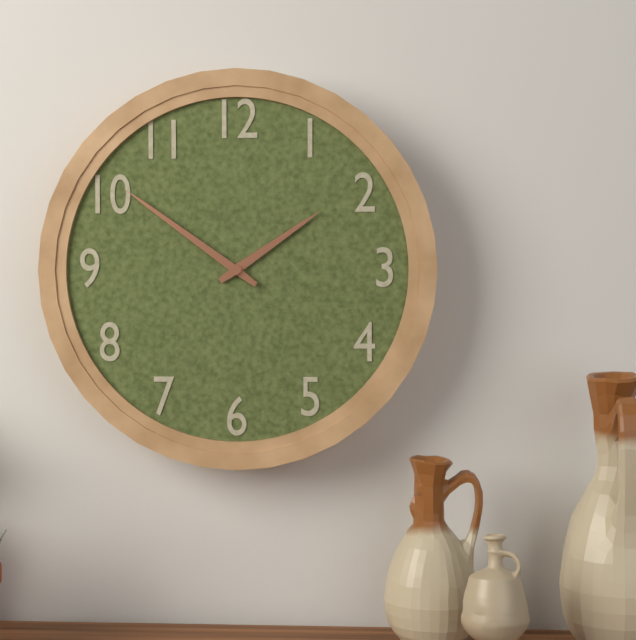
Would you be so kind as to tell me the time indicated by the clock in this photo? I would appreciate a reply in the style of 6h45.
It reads 1h51
